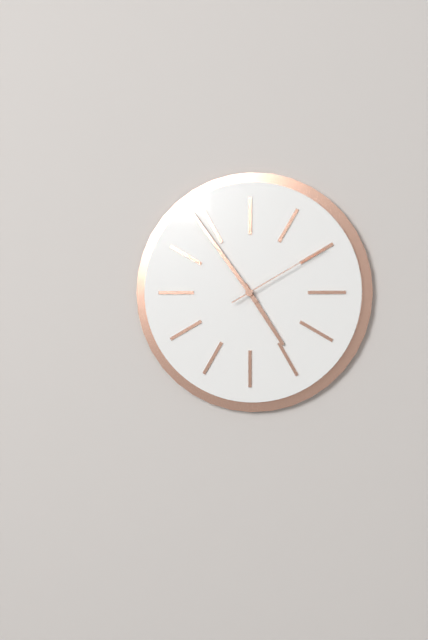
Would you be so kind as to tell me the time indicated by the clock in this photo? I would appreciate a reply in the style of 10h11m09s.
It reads 4h54m10s
